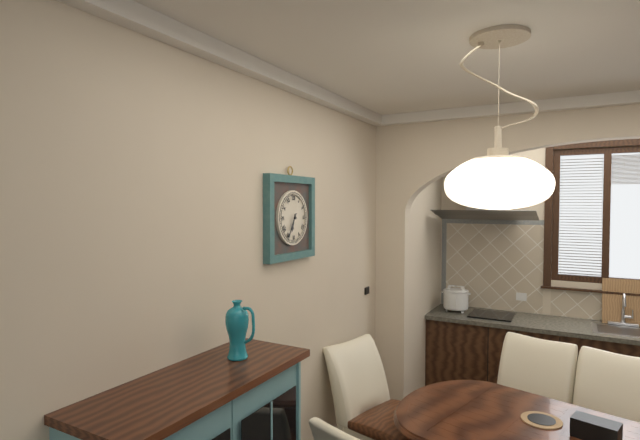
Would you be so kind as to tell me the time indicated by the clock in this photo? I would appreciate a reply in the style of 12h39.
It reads 6h35
